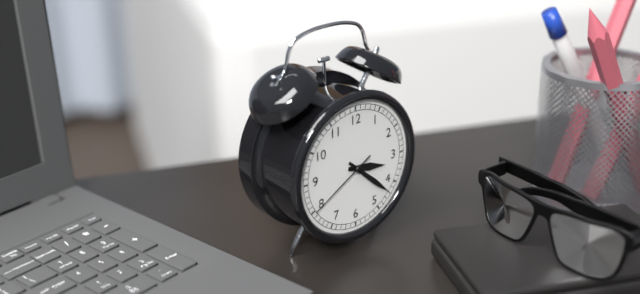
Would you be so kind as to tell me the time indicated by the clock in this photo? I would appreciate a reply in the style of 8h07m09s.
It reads 3h22m40s
